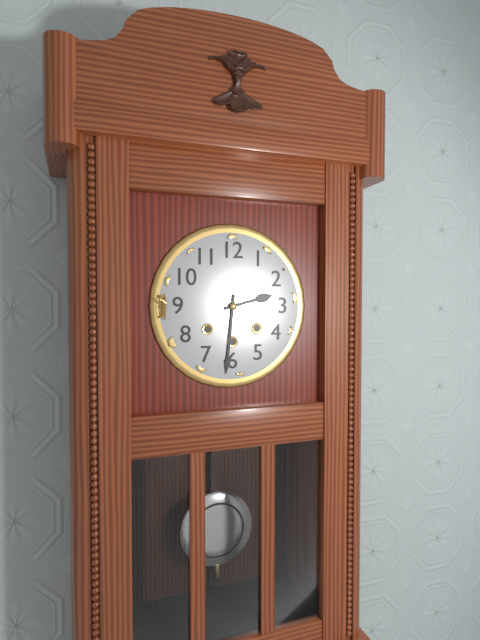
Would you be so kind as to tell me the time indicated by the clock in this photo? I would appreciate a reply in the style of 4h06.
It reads 2h31
